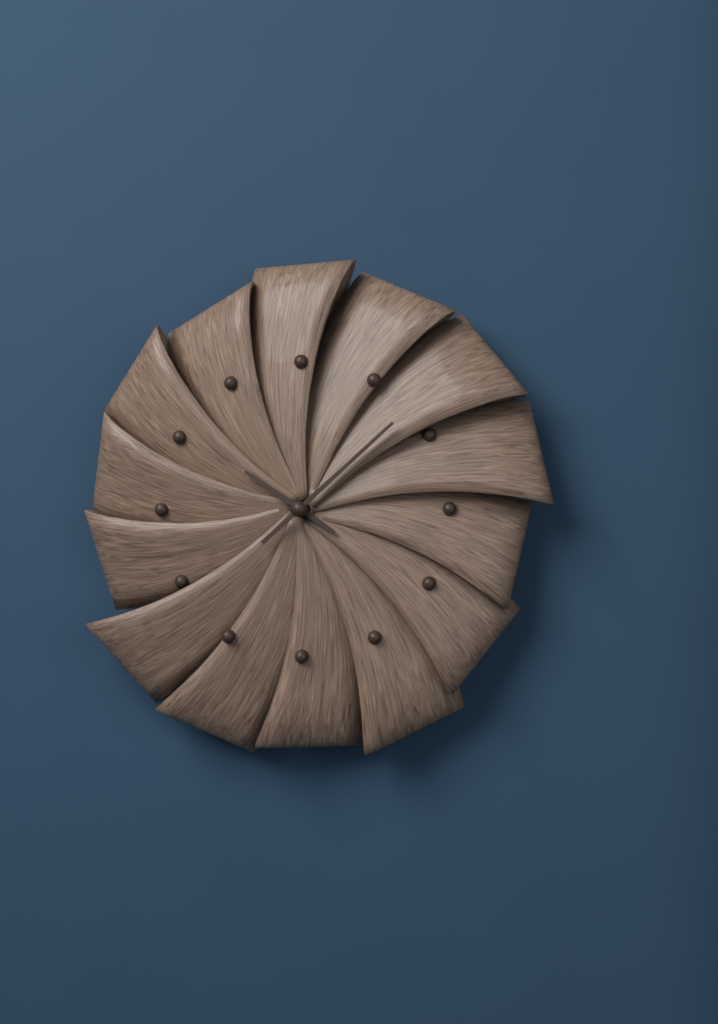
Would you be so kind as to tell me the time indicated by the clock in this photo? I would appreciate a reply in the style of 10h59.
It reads 10h08
